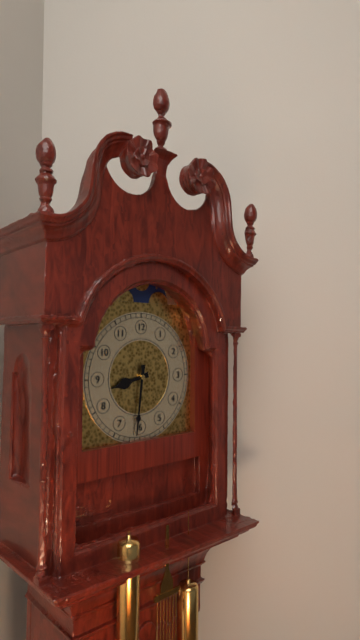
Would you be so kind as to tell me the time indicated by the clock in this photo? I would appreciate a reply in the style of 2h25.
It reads 8h31
